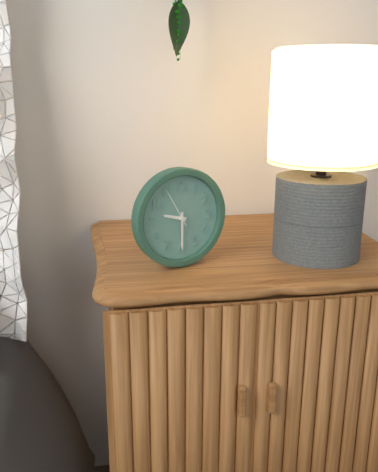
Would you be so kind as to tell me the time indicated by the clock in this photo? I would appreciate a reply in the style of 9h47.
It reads 9h30
